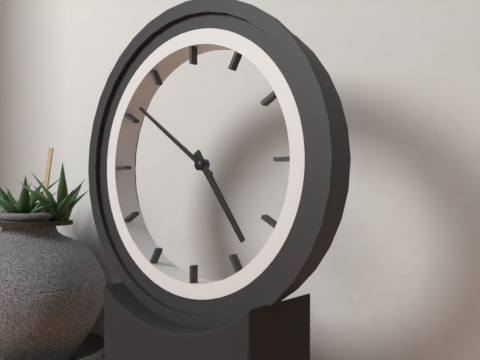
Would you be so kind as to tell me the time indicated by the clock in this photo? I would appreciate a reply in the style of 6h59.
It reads 4h51
